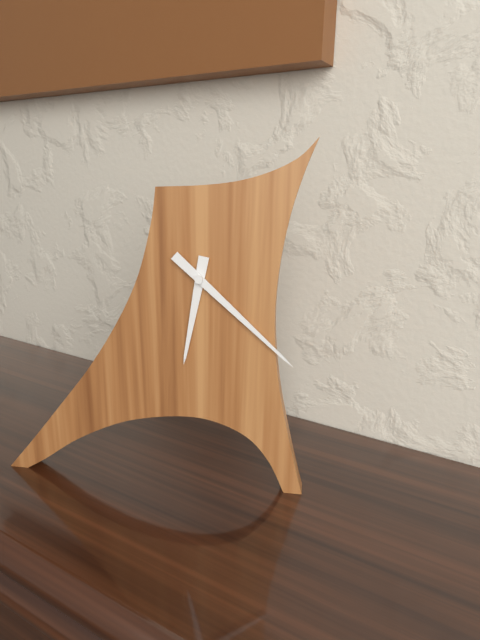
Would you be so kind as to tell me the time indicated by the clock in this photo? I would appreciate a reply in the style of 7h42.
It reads 6h22
